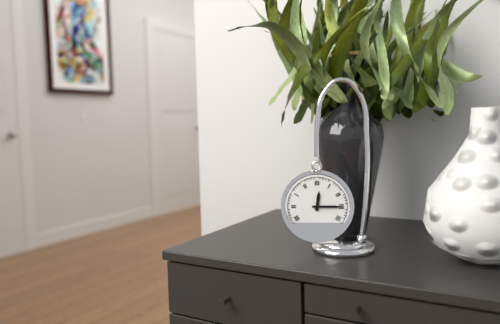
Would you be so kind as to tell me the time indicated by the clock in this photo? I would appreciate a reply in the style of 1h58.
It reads 12h15
